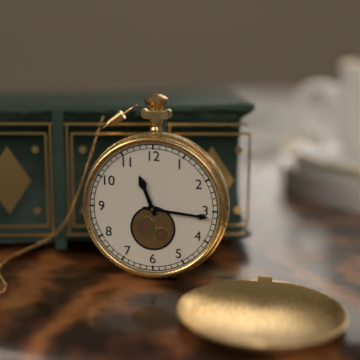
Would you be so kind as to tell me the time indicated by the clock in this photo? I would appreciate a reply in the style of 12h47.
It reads 11h16
